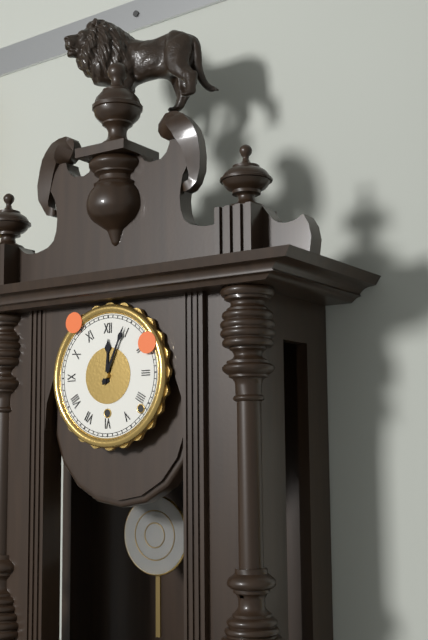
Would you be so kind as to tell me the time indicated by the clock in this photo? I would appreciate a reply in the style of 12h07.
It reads 12h04
